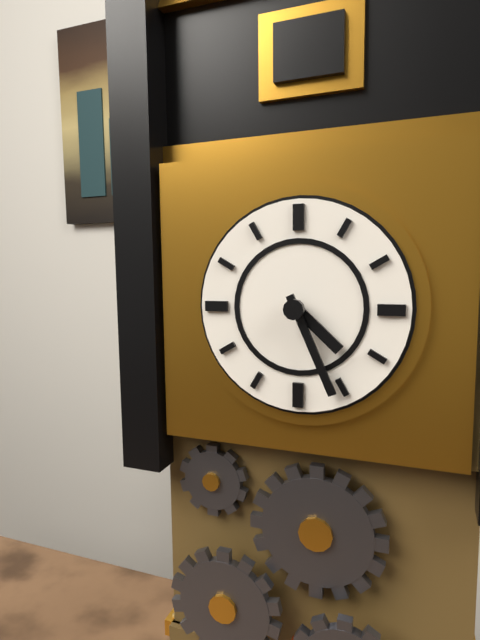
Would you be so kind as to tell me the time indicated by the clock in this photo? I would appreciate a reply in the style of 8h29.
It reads 4h26
